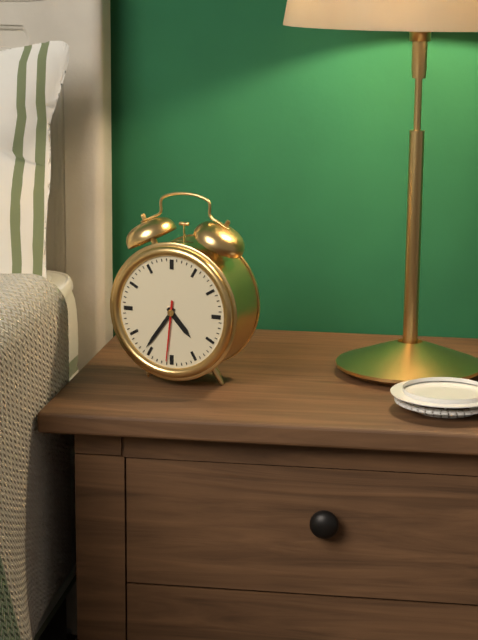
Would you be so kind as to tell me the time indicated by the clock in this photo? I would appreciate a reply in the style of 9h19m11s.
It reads 4h36m31s
